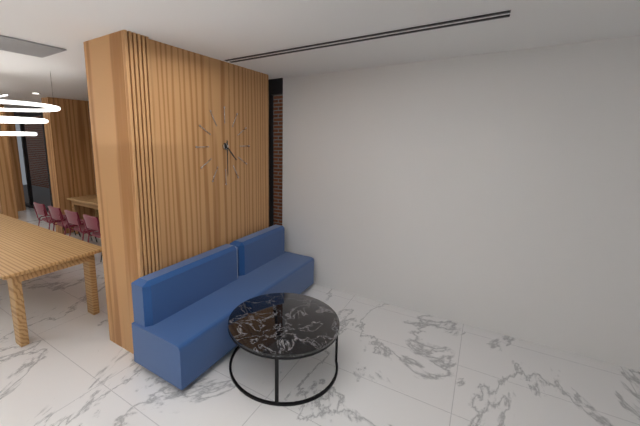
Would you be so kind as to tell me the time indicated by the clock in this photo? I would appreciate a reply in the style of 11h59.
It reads 4h30
